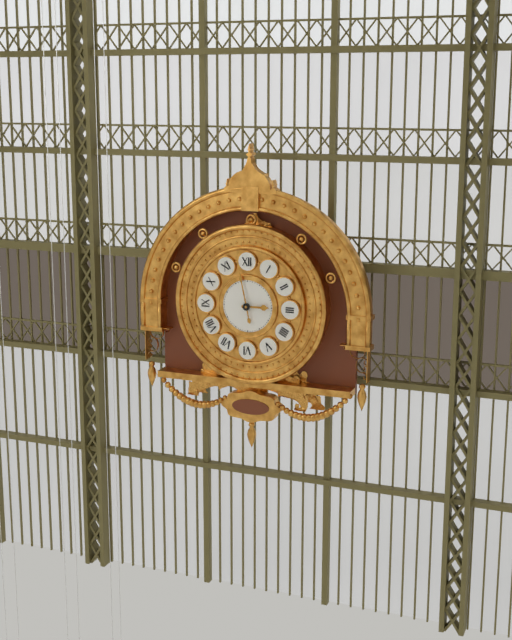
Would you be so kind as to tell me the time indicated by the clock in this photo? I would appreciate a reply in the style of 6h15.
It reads 2h58
